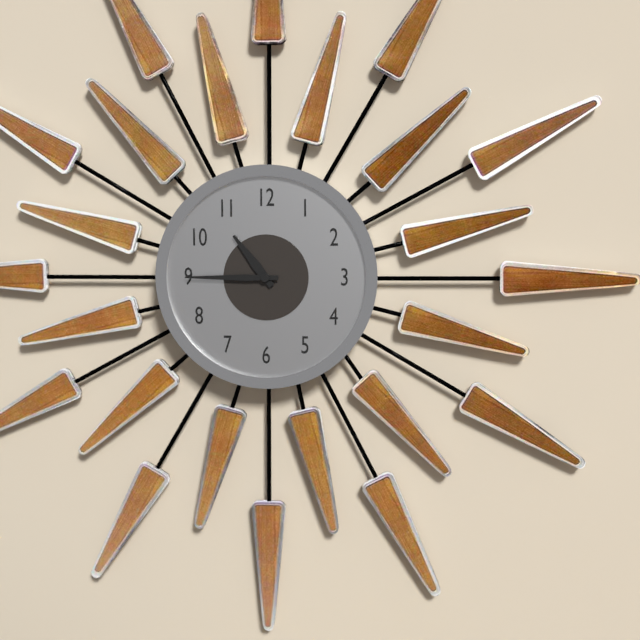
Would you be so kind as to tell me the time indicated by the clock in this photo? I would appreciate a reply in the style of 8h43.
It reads 10h45
